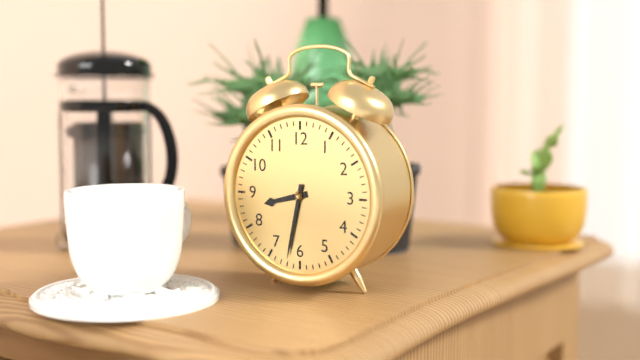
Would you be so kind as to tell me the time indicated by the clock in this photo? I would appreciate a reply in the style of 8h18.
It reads 8h32
